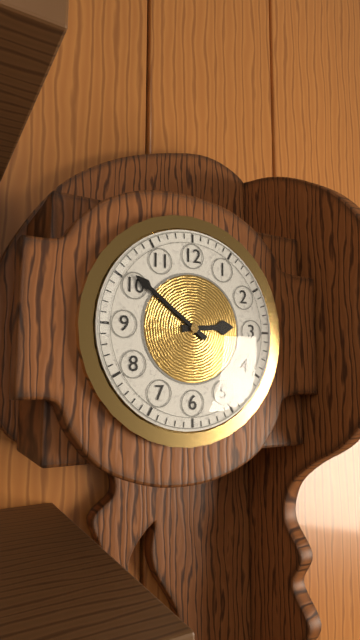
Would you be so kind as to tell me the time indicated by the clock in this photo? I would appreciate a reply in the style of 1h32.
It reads 2h51
